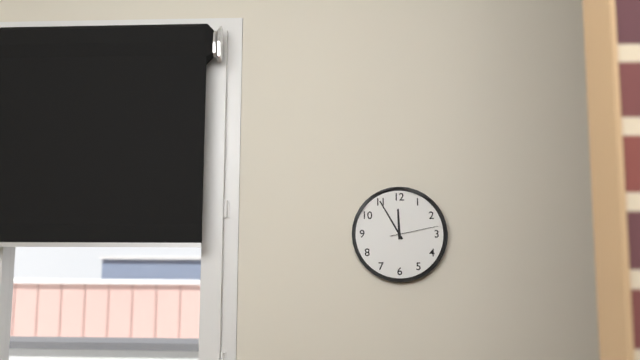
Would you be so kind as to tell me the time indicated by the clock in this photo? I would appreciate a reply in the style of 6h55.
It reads 11h55
